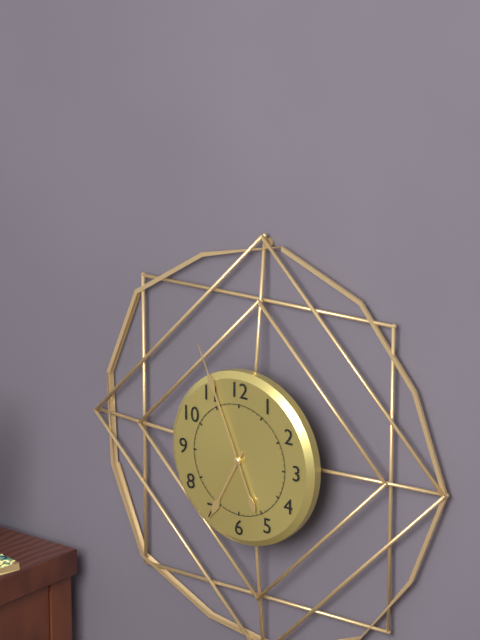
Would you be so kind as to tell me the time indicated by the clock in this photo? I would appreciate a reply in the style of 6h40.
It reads 6h56
